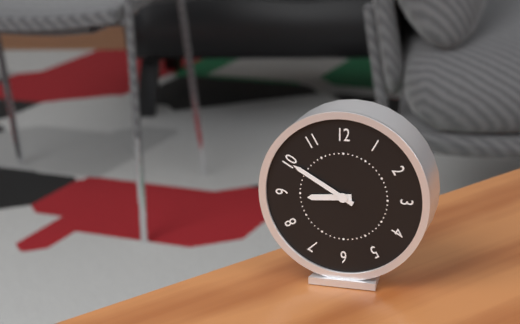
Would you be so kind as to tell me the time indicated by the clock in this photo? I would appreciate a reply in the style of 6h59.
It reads 8h50
